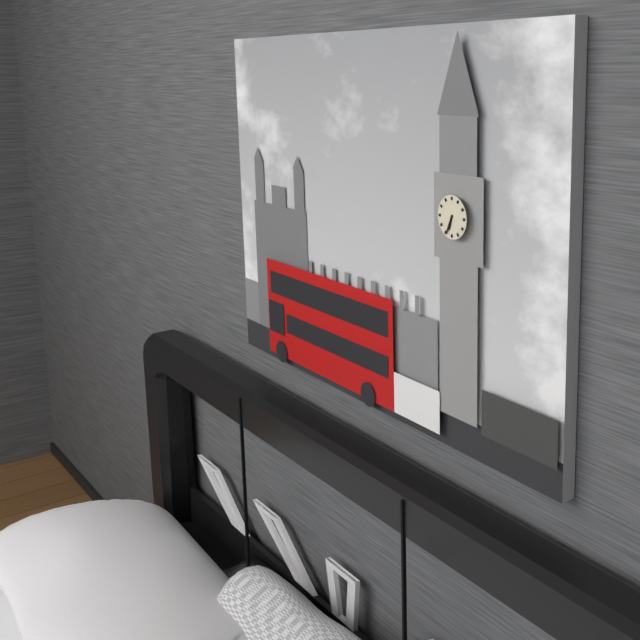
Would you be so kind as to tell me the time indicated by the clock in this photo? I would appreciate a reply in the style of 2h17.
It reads 6h34
